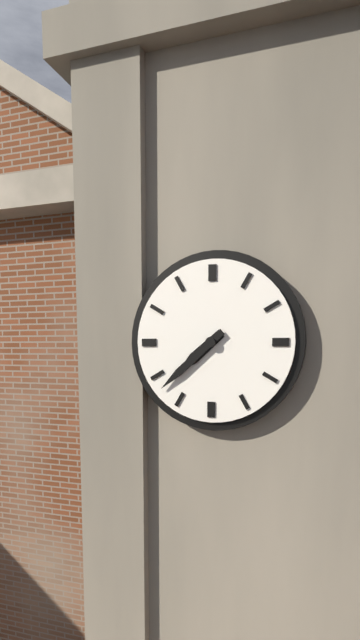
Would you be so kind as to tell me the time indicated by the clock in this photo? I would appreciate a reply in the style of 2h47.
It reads 7h38
